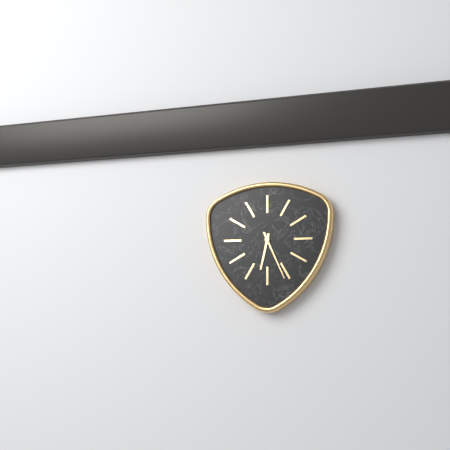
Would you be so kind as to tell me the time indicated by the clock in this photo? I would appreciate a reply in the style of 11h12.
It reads 6h26
